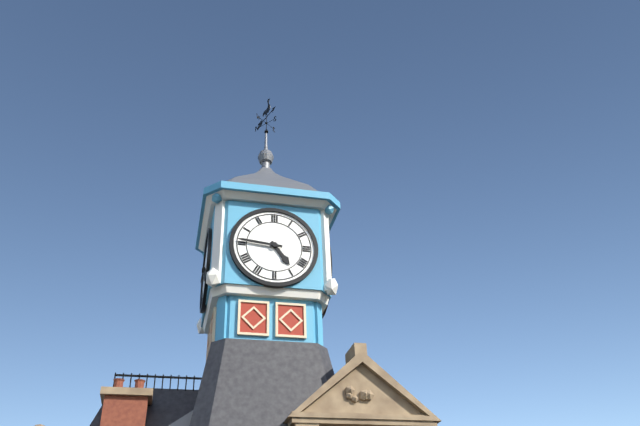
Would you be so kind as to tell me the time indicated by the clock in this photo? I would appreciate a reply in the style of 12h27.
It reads 4h46
